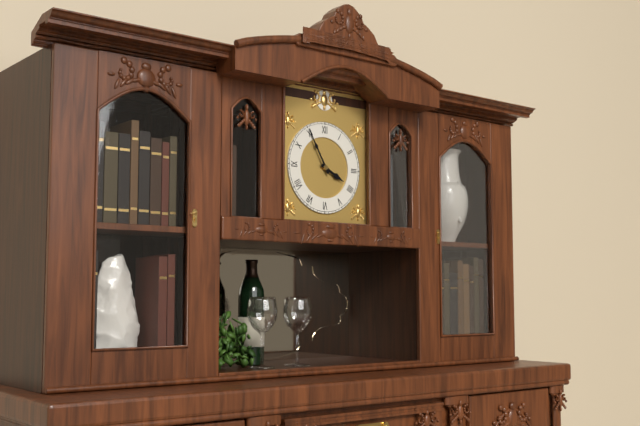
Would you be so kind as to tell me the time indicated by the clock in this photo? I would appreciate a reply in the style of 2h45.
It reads 3h55
